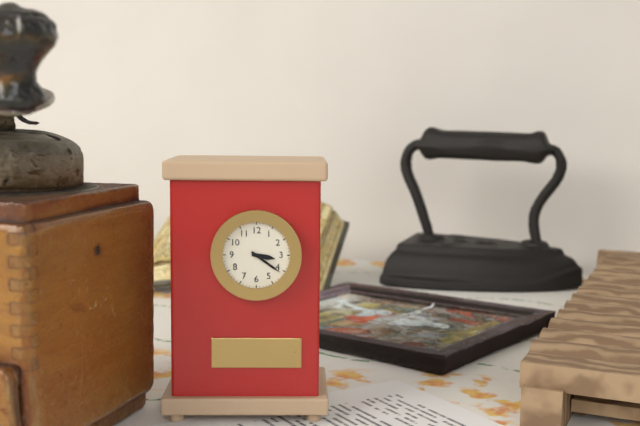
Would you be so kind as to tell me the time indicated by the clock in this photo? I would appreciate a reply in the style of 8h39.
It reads 3h21
